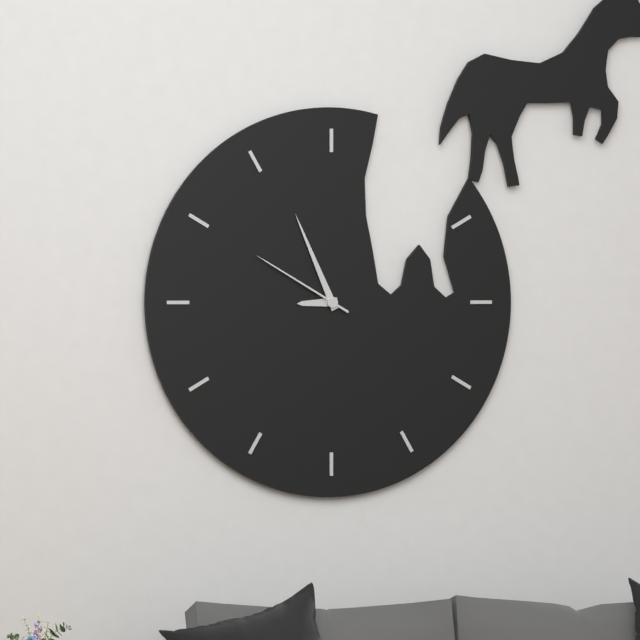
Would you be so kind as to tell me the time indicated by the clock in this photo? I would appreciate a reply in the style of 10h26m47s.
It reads 8h56m50s
